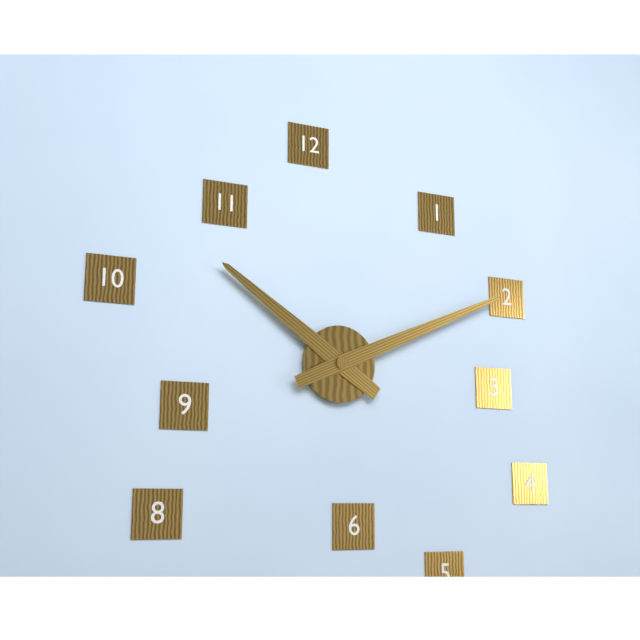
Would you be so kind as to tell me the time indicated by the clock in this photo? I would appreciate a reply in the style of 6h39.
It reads 10h11
